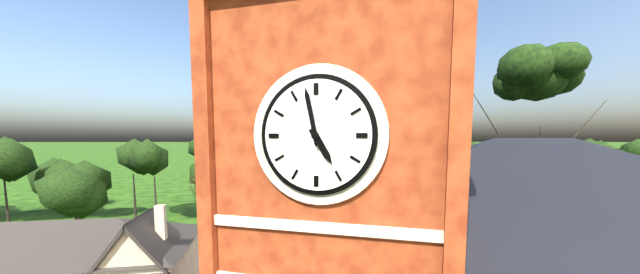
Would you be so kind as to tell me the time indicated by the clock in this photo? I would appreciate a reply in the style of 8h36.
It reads 4h58
